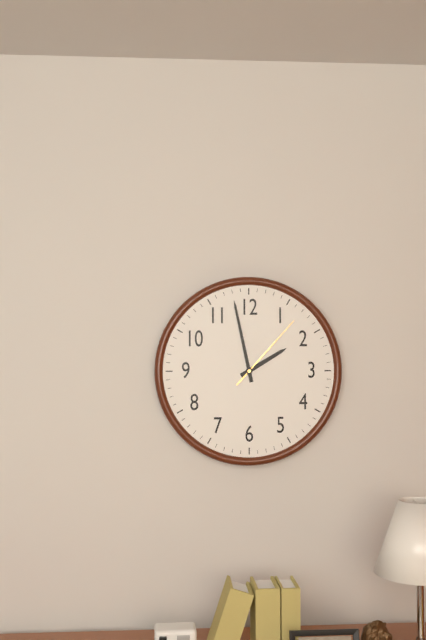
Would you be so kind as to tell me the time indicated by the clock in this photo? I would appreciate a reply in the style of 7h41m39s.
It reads 1h58m07s
